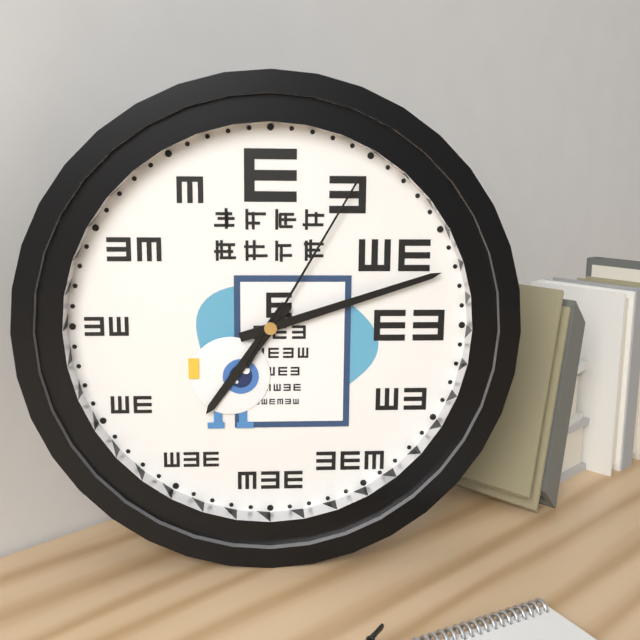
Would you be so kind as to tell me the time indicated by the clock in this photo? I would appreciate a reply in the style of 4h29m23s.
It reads 7h12m05s
